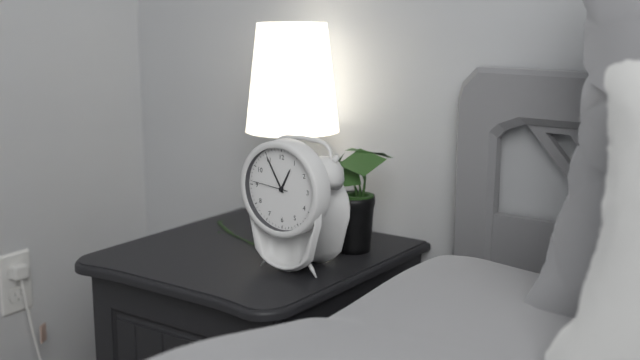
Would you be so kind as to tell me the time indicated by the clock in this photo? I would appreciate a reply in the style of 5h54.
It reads 12h55
